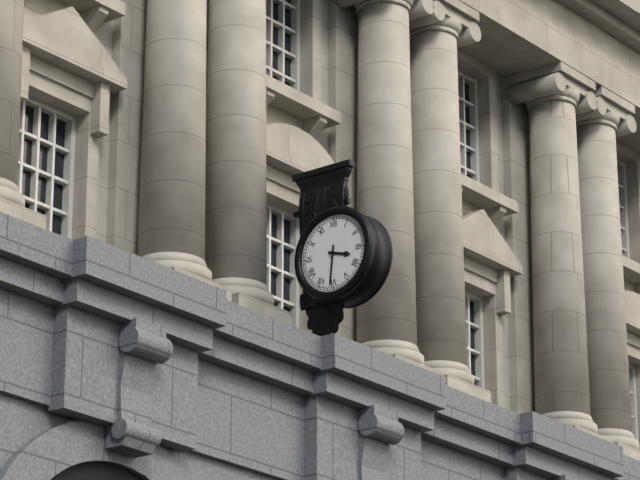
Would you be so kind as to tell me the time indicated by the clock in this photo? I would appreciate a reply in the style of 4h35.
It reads 3h31
